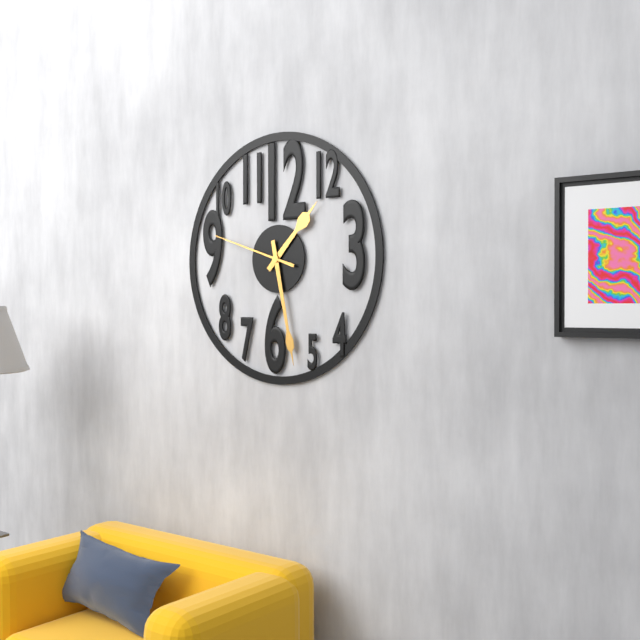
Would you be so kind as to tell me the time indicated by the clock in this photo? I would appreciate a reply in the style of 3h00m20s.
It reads 1h28m48s
